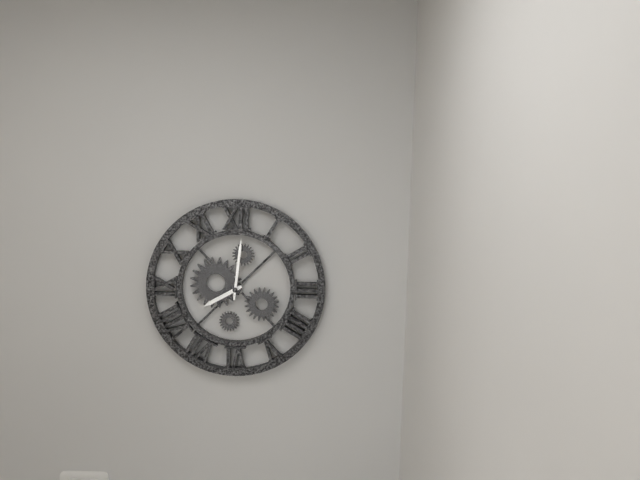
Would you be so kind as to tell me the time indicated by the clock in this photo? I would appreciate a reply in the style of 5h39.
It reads 8h01
